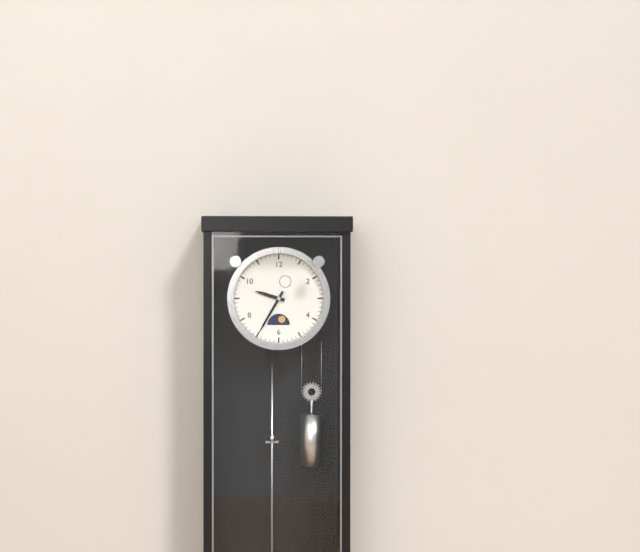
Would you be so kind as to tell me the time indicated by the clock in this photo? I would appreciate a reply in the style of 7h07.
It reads 9h35
